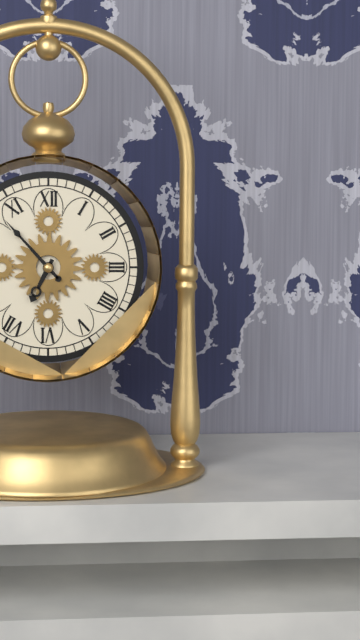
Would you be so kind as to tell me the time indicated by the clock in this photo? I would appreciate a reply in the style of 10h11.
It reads 6h53
